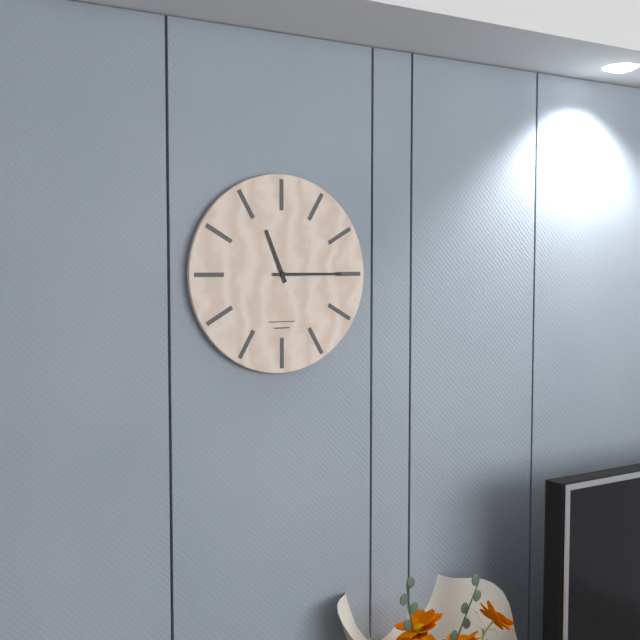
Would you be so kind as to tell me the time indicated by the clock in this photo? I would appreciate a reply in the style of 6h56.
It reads 11h15
